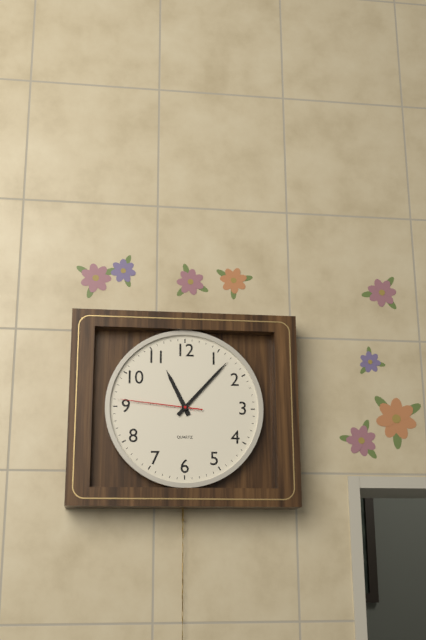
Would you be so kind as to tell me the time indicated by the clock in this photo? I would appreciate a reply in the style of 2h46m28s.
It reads 11h07m46s
